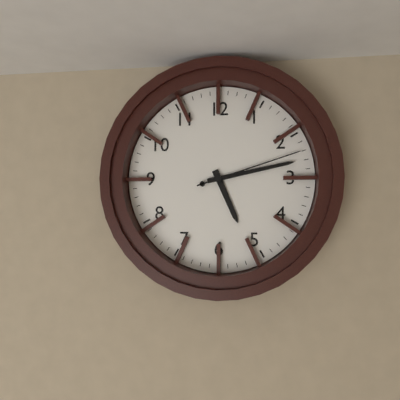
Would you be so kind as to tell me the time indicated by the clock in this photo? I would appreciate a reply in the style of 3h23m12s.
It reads 5h13m12s
